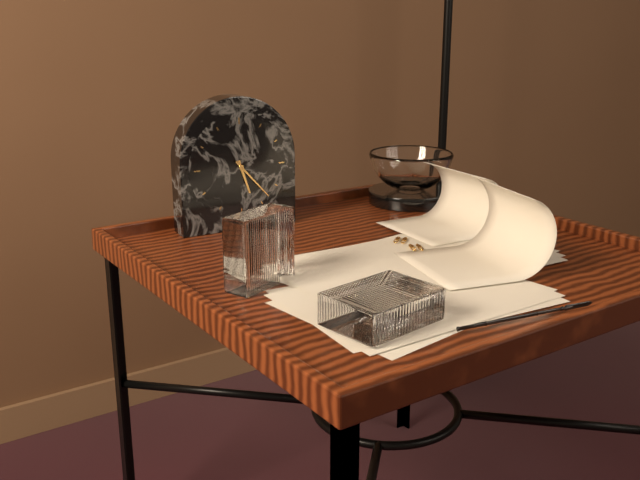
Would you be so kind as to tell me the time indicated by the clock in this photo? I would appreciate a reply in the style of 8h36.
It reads 5h23
